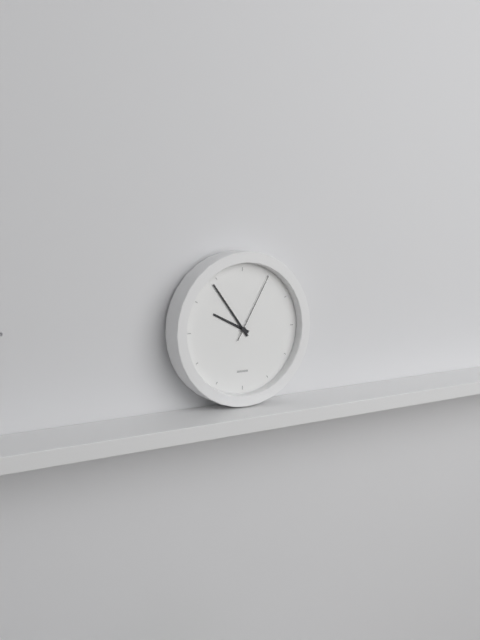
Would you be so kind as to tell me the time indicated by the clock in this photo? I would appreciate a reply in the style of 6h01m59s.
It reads 9h54m05s
